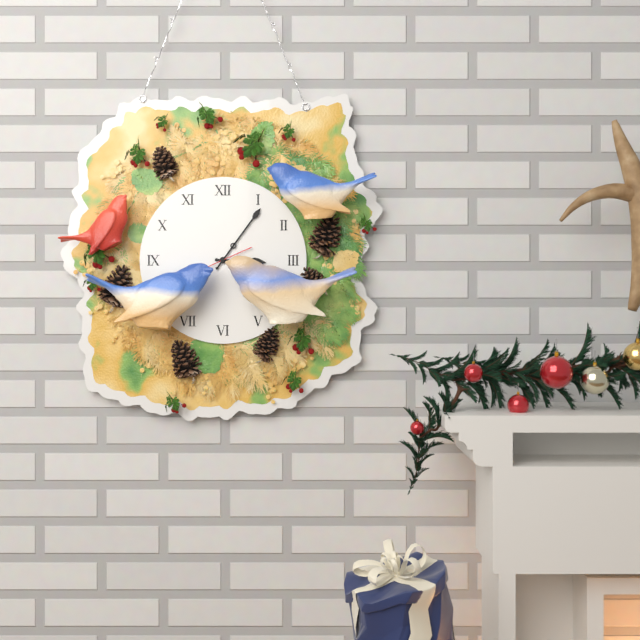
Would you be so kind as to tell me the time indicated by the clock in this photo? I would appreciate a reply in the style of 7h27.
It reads 3h06
